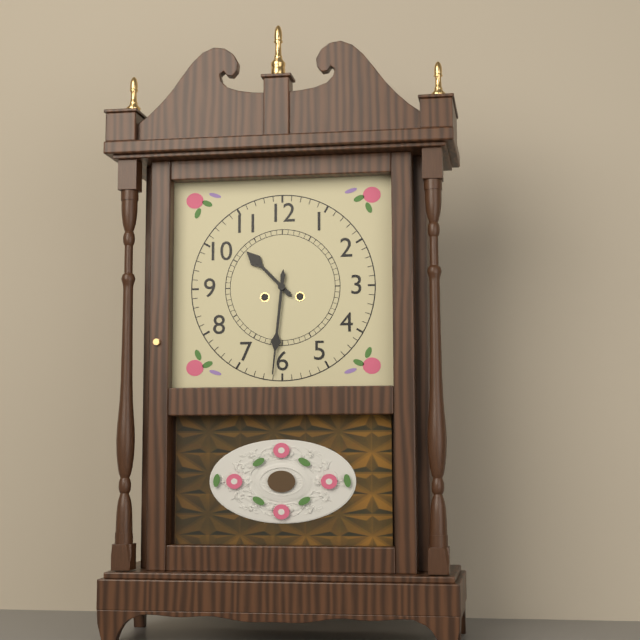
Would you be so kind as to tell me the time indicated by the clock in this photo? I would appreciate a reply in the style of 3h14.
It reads 10h31
